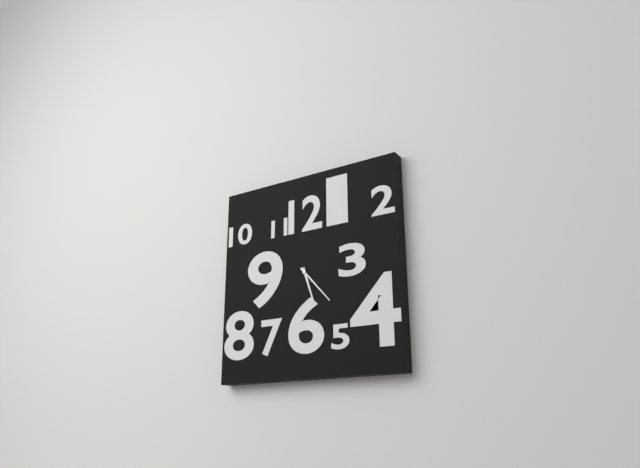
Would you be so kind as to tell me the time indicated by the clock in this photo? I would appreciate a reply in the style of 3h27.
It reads 5h23
